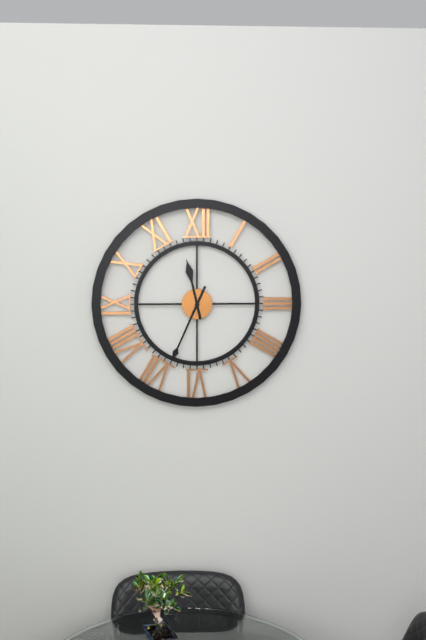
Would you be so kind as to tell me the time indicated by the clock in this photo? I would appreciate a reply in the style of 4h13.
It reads 11h34
